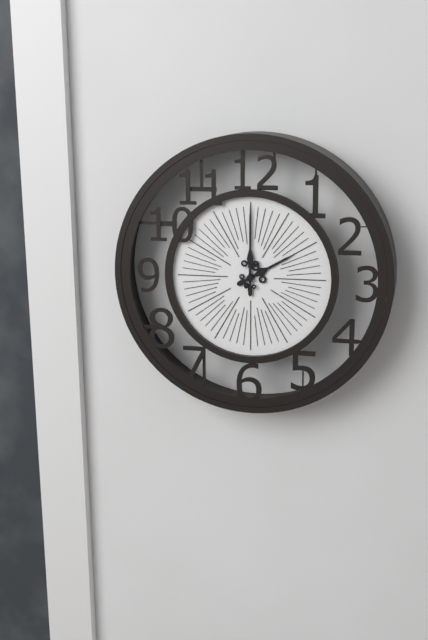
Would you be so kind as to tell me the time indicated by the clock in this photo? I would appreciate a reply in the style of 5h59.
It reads 2h00
